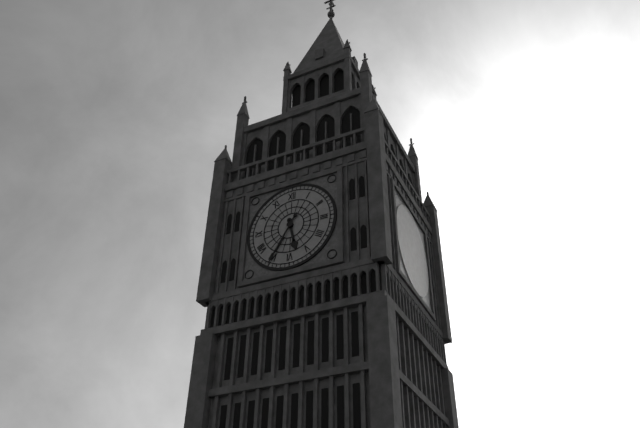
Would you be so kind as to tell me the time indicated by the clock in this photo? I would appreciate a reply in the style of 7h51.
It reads 5h35
